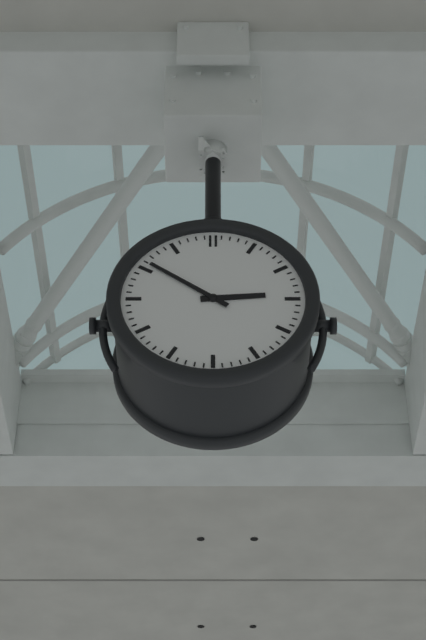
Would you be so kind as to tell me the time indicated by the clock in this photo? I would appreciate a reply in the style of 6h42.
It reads 2h51
